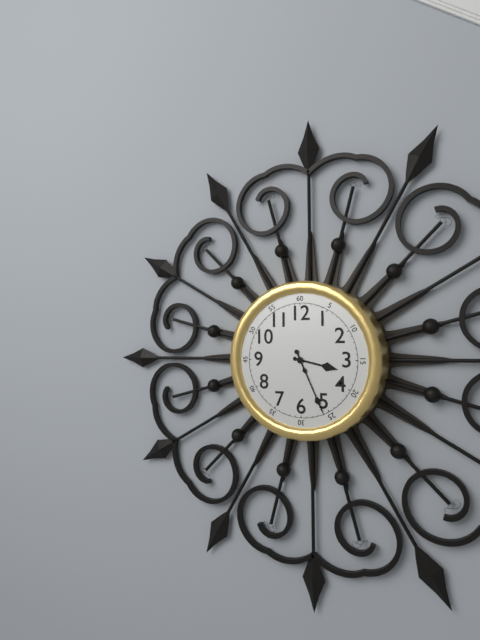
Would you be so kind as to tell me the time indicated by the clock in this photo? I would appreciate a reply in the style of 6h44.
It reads 3h26
